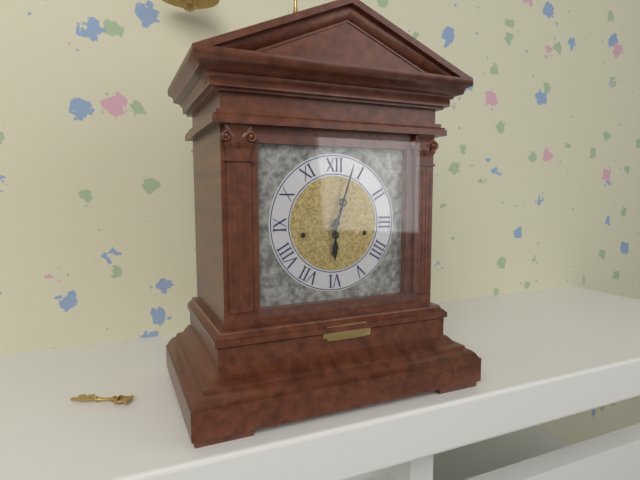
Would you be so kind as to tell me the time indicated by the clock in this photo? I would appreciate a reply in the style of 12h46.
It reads 6h03
